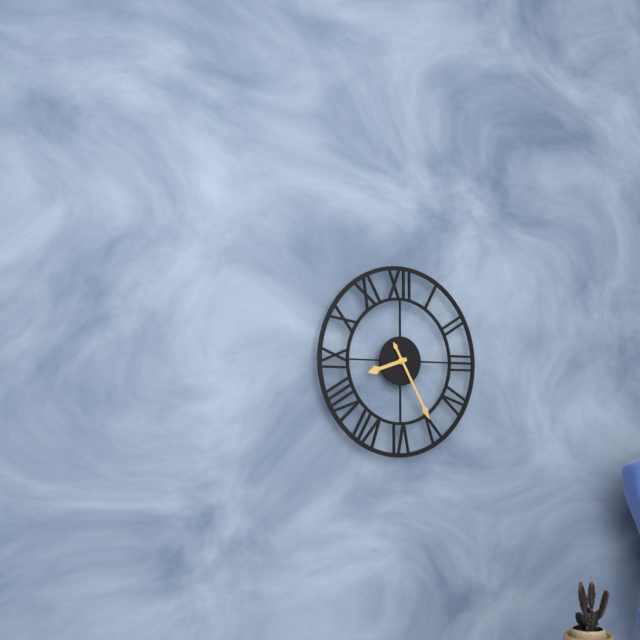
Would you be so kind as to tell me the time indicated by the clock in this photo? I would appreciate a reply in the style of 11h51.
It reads 8h25
